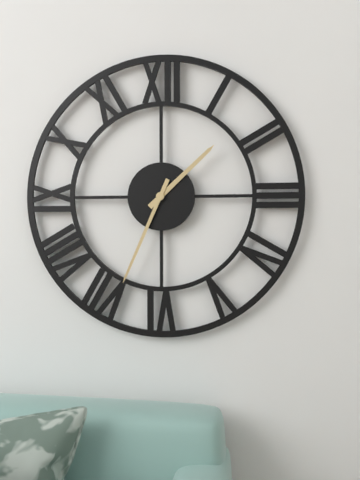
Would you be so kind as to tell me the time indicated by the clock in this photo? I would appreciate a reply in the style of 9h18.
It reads 1h34
